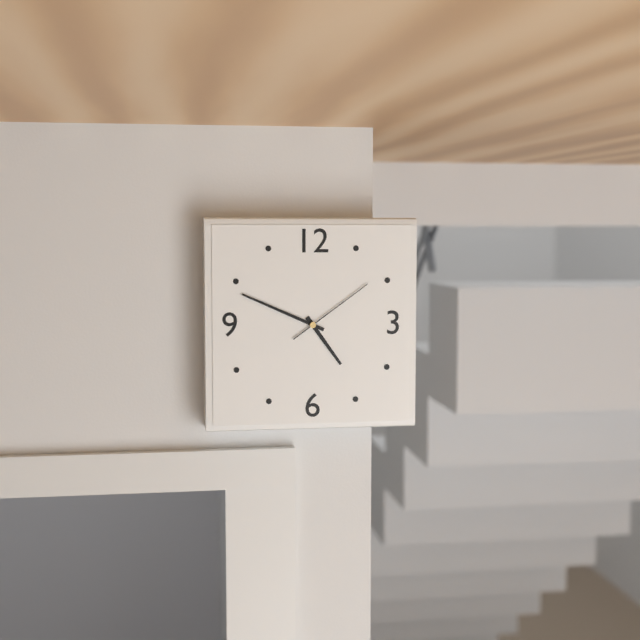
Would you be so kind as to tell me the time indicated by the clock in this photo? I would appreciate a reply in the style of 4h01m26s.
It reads 4h49m09s
